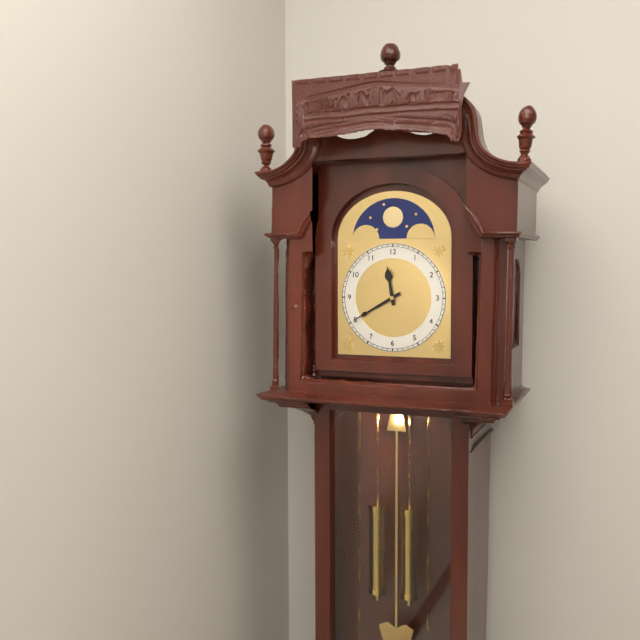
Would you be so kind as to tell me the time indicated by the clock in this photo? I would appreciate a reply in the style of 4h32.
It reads 11h40
